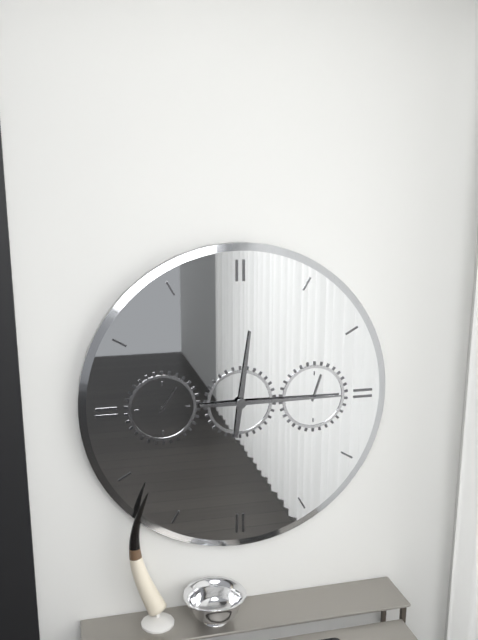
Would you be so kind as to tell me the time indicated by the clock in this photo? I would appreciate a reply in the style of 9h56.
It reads 12h15
